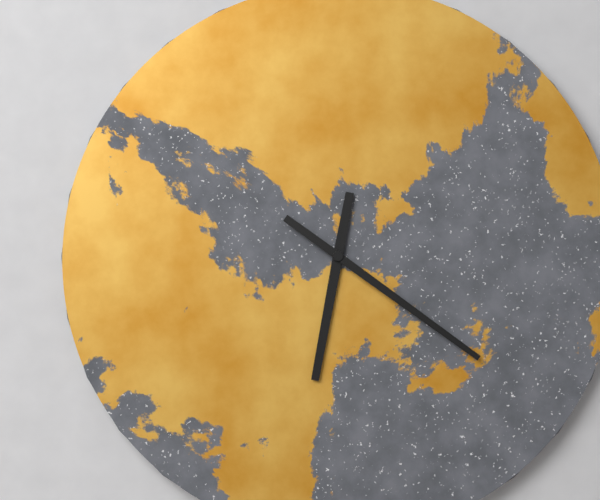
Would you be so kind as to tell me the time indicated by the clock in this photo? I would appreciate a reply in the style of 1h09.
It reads 6h21
